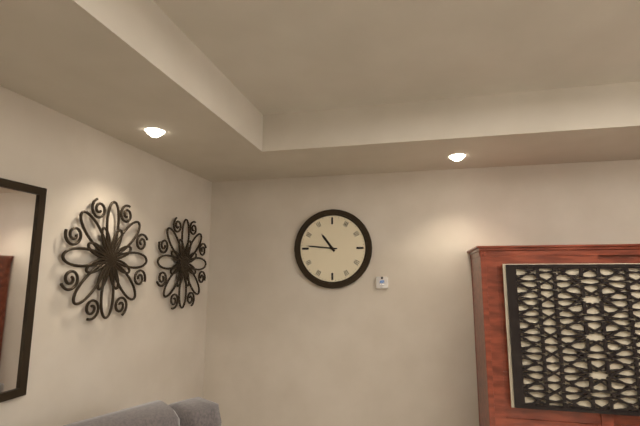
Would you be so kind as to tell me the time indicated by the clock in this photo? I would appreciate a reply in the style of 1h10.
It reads 10h46
